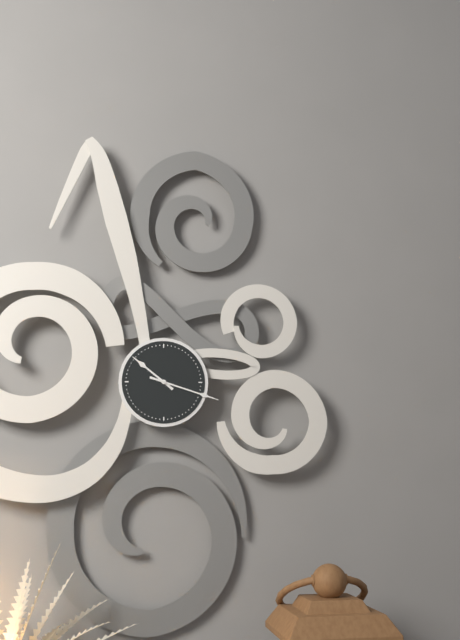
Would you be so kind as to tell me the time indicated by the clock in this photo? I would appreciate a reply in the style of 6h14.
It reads 10h18
